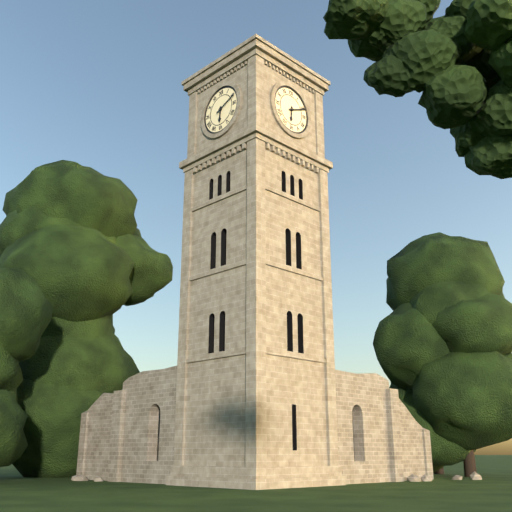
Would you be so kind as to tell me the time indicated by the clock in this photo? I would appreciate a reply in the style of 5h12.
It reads 6h11
